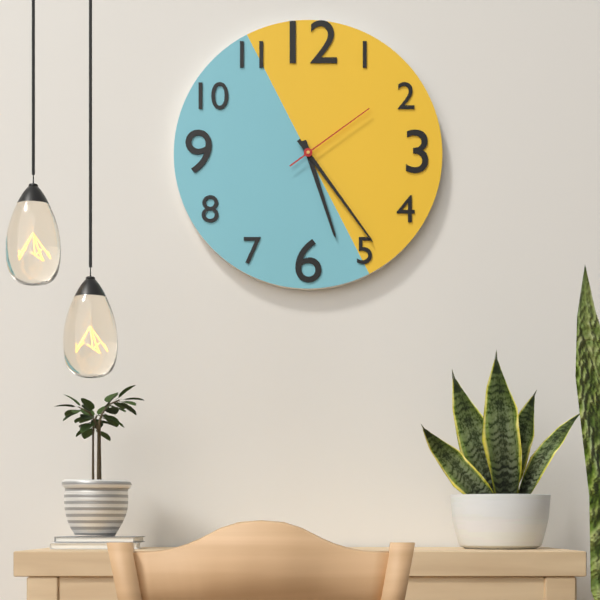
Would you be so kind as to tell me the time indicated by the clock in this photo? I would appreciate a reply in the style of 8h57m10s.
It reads 5h24m09s
